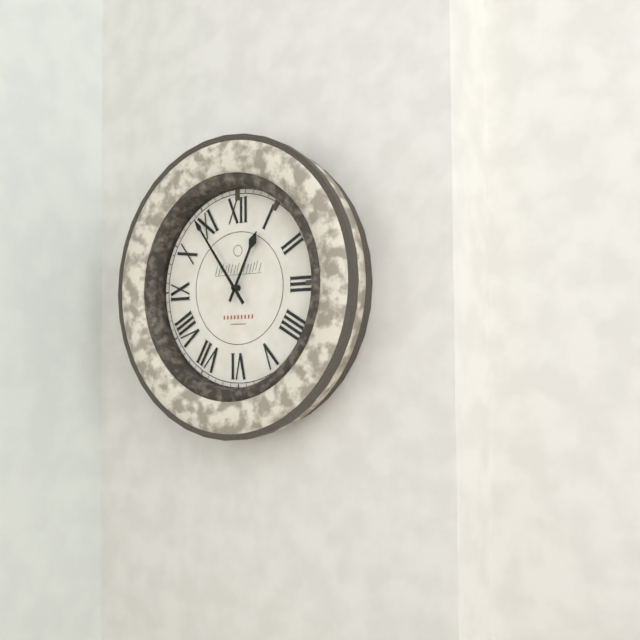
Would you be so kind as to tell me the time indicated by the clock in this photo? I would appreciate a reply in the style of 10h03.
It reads 12h54
